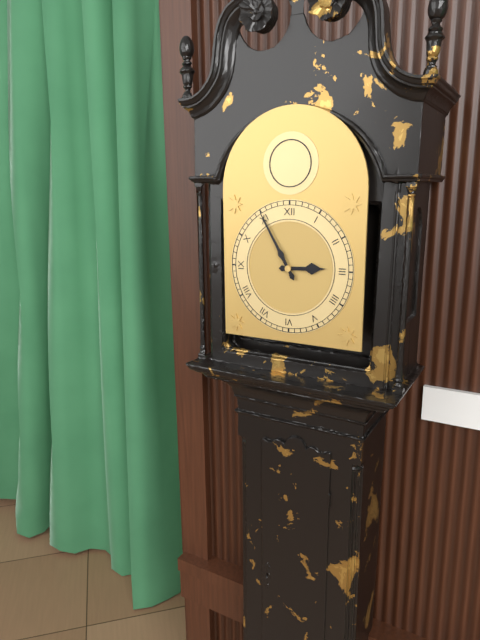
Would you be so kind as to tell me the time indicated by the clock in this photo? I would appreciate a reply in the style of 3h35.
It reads 2h55
